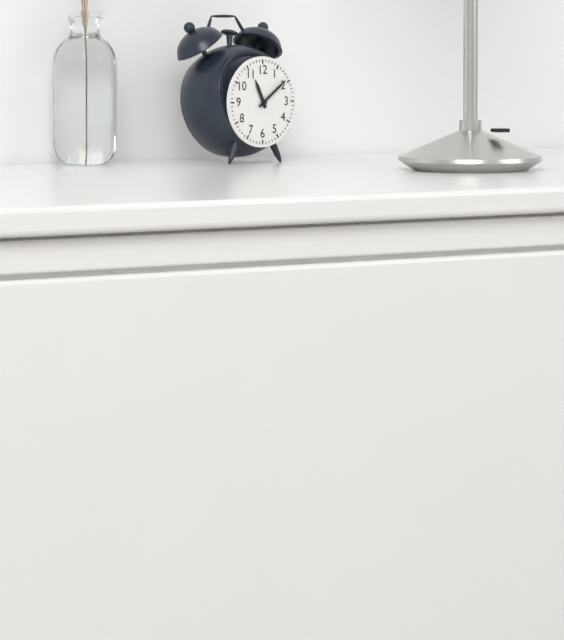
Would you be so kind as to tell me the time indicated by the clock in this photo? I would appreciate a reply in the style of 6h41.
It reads 11h09
